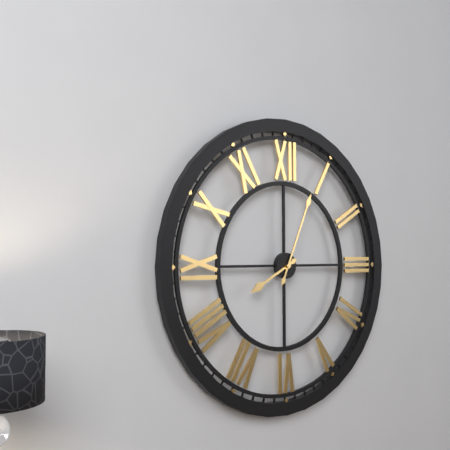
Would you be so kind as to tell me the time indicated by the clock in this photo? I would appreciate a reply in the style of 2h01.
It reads 8h04
